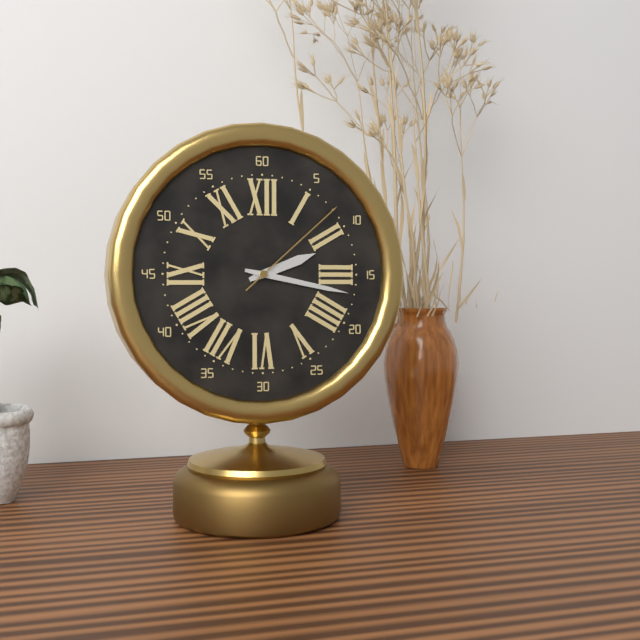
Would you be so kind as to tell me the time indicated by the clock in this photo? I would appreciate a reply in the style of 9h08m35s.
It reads 2h17m08s
